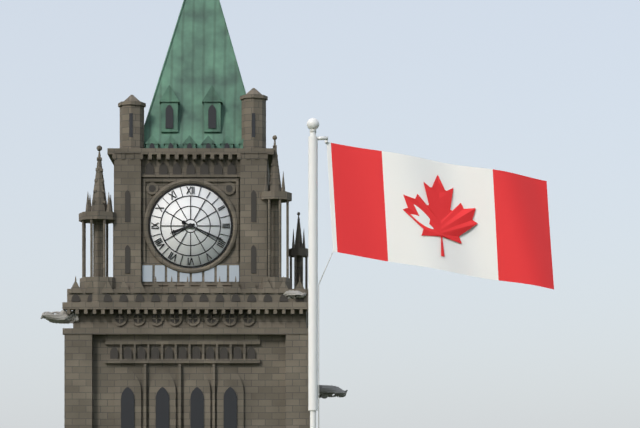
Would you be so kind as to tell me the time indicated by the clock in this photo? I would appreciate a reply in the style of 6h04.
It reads 8h19
